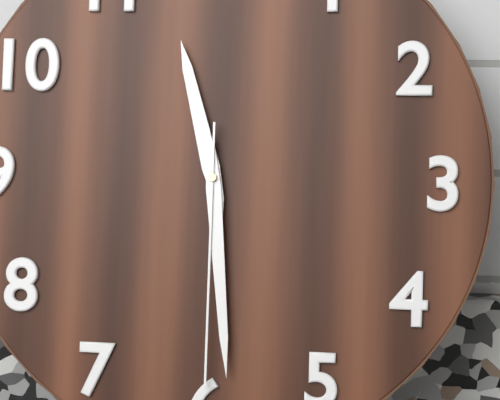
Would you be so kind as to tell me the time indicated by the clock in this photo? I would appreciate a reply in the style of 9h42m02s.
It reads 11h29m30s
